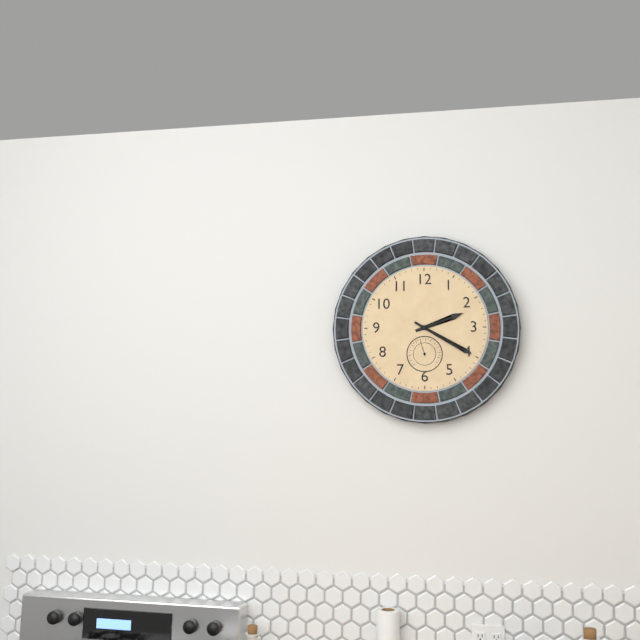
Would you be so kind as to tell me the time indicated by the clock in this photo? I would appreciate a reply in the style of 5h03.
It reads 2h20
